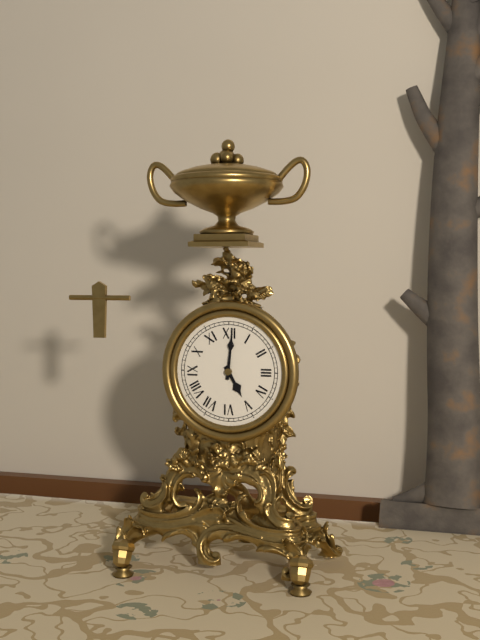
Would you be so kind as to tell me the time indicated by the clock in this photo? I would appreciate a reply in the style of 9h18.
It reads 5h01
